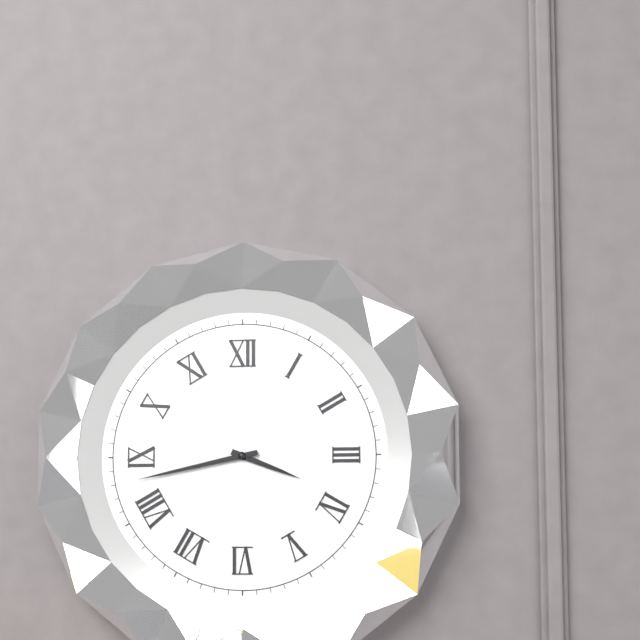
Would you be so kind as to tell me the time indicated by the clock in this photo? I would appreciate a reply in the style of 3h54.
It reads 3h43
